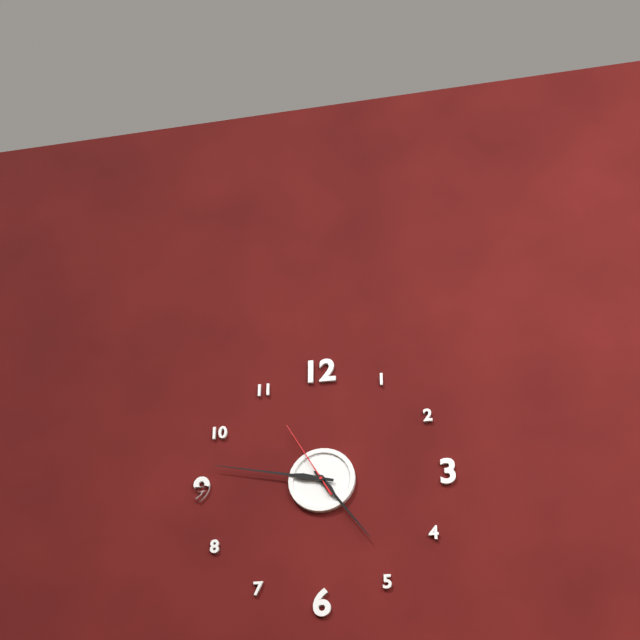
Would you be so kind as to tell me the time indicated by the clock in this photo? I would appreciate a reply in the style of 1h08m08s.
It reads 4h47m55s
